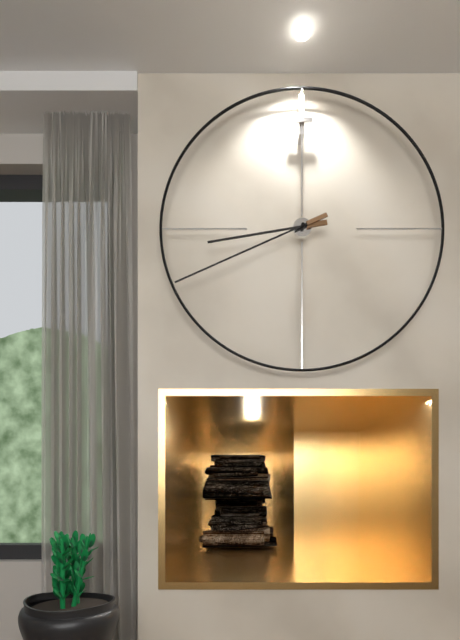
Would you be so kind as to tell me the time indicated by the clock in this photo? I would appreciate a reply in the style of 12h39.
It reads 8h41
